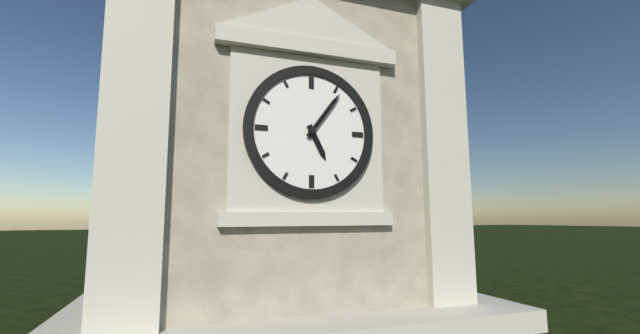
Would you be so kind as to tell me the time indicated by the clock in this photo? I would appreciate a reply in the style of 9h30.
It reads 5h06
